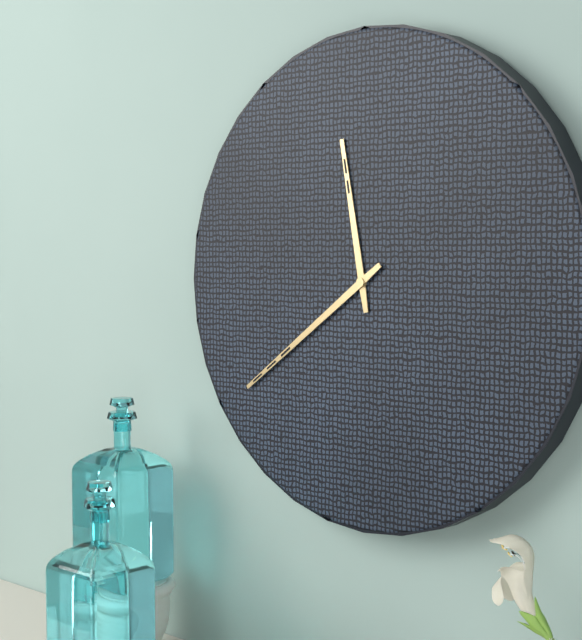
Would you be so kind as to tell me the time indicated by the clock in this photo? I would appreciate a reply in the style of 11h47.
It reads 11h39
